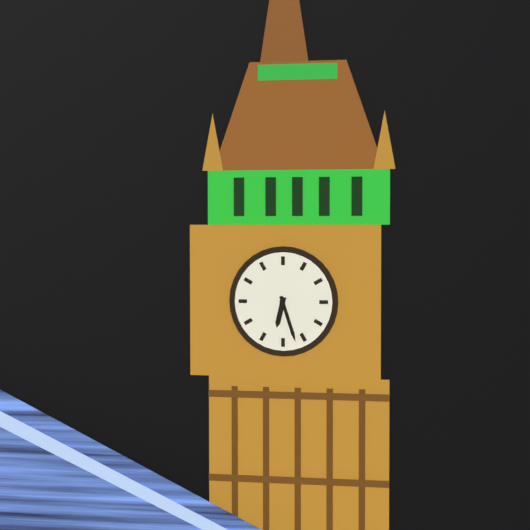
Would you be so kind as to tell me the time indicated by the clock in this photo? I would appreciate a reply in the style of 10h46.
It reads 6h27
